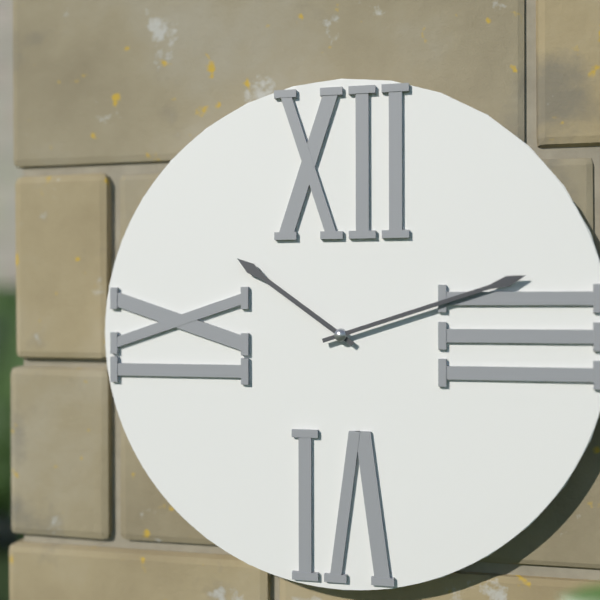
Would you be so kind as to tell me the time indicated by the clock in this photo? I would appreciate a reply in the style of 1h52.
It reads 10h12
